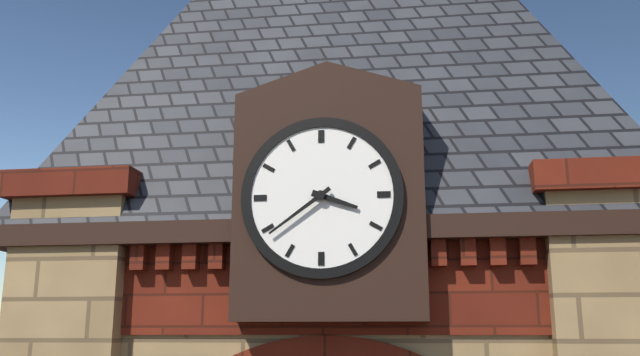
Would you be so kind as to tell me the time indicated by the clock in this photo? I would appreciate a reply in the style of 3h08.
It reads 3h39
